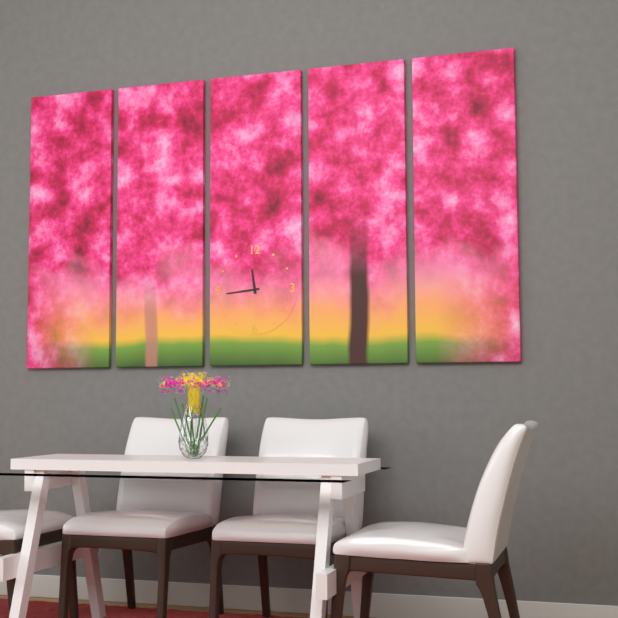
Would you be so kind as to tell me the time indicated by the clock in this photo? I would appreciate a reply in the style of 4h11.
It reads 11h44
